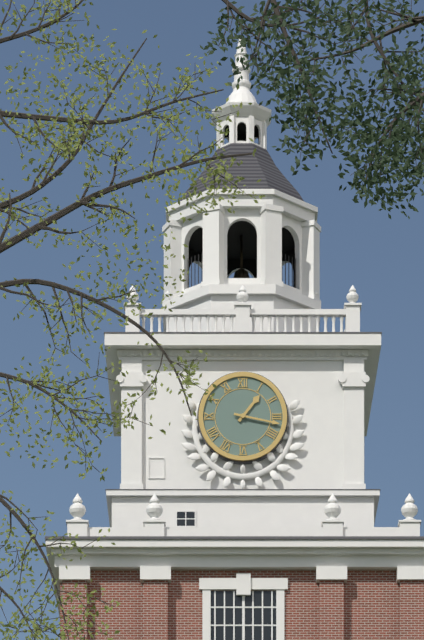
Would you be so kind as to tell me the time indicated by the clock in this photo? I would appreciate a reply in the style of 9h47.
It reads 1h17
